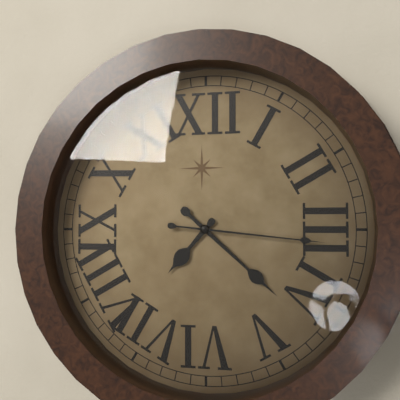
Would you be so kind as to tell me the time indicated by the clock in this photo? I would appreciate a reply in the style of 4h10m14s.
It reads 7h22m16s
